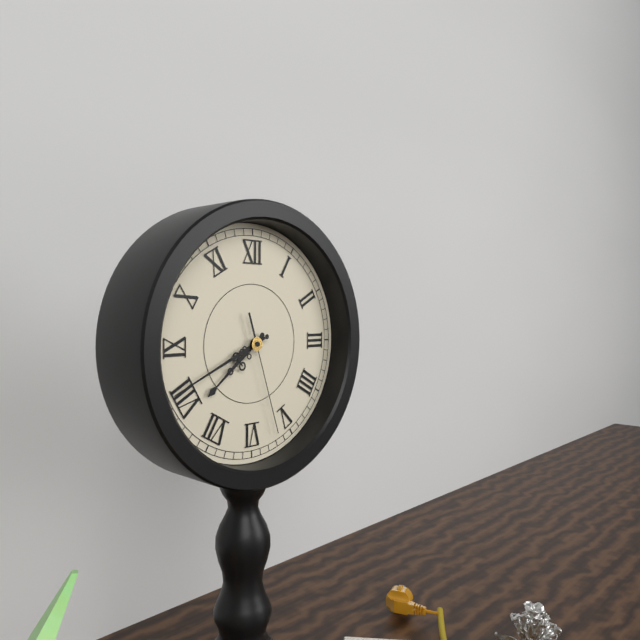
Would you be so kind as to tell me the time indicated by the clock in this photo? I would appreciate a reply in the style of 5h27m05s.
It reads 7h41m27s
